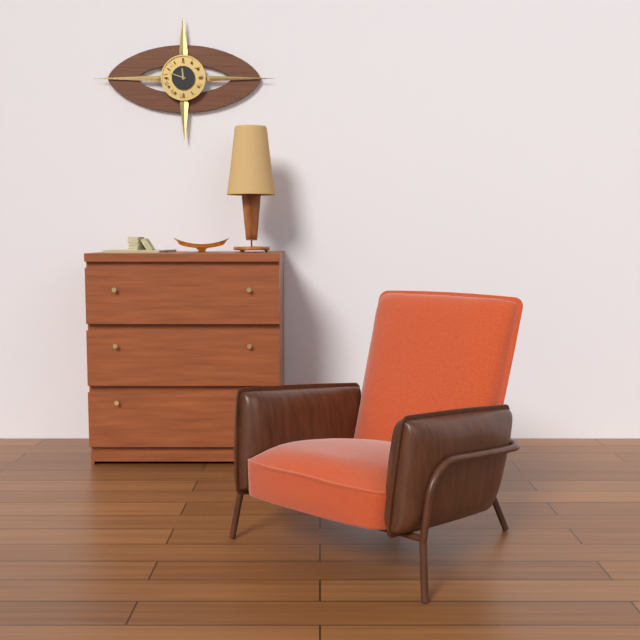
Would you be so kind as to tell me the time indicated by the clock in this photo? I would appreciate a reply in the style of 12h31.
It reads 11h48
